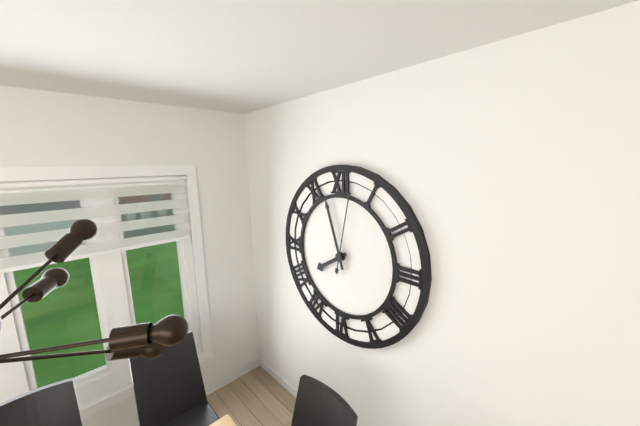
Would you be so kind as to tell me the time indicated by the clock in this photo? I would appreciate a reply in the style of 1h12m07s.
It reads 7h57m02s
